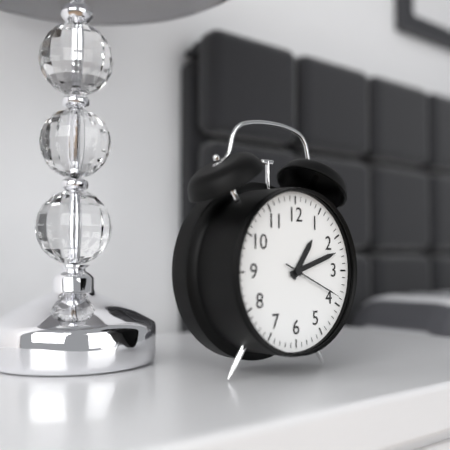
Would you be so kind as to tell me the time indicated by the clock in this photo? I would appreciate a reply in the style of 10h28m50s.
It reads 1h12m19s
